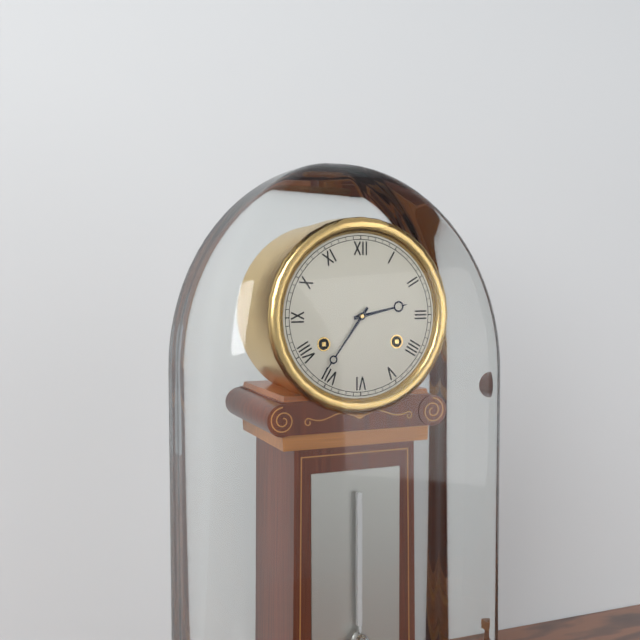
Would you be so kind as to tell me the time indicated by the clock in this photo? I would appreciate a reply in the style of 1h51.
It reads 2h36
